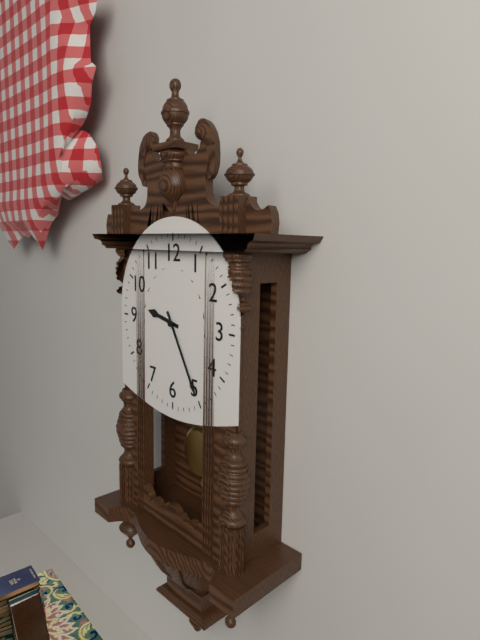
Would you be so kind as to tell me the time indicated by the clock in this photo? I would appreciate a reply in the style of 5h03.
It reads 9h25
